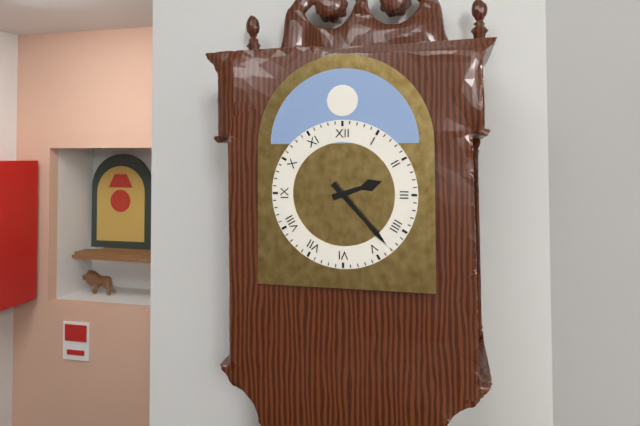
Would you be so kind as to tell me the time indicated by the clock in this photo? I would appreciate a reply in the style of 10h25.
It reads 2h23
